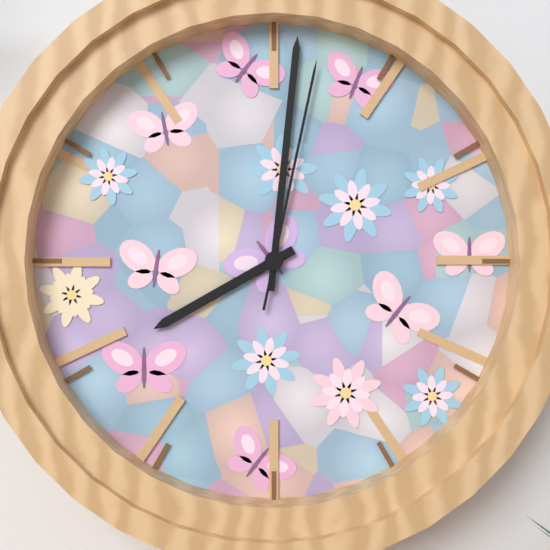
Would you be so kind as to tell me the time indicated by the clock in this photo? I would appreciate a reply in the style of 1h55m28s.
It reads 8h01m02s
